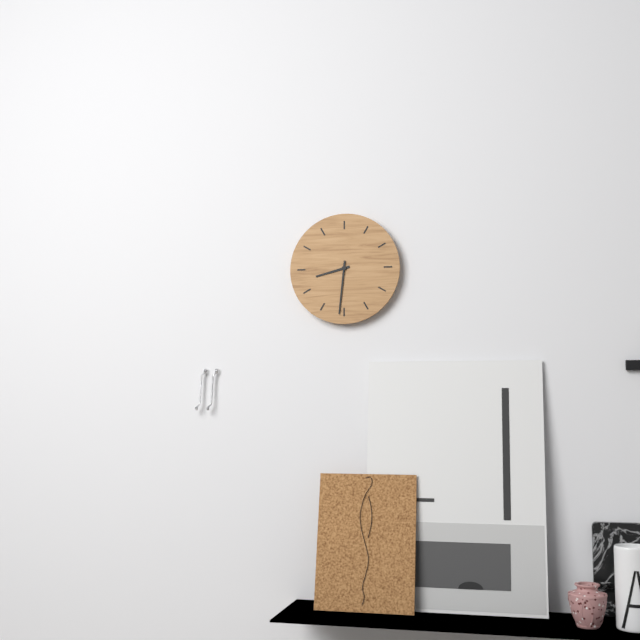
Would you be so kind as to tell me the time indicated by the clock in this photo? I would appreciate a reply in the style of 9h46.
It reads 8h31
